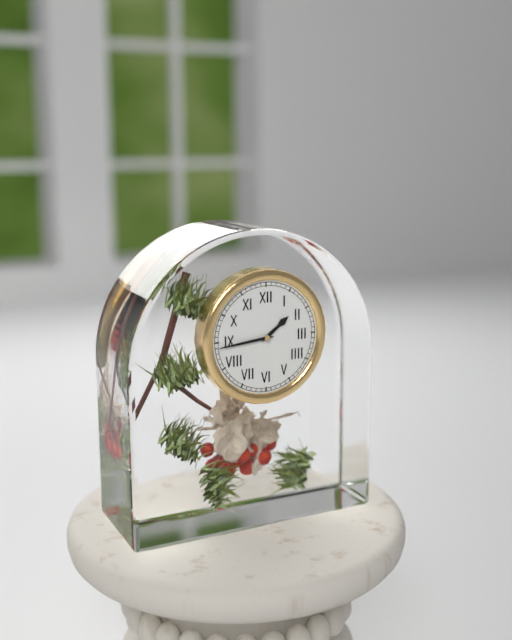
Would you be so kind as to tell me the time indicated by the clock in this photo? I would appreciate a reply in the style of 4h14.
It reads 1h44
